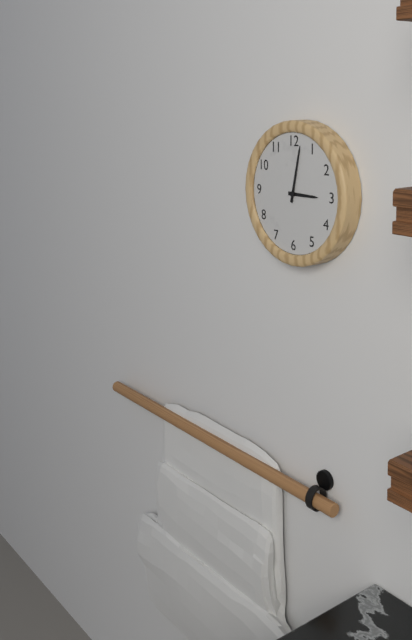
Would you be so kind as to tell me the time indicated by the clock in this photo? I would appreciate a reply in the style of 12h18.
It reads 3h02
